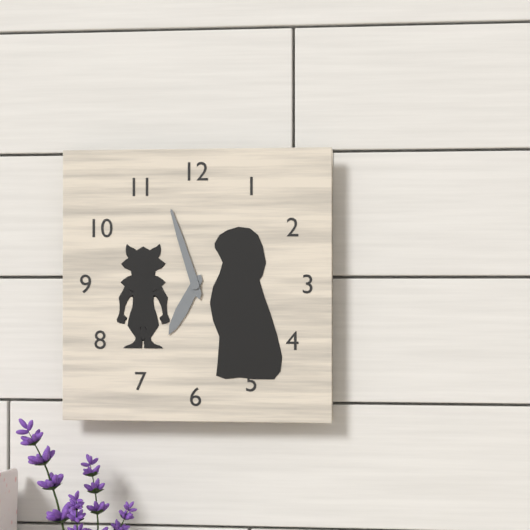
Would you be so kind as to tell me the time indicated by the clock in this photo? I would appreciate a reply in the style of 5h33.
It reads 6h57
